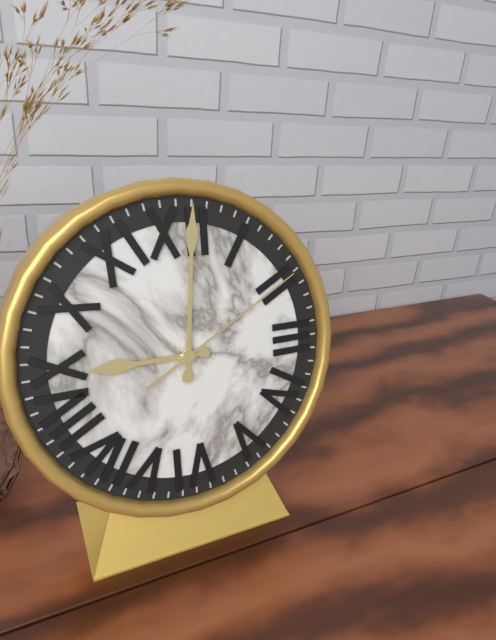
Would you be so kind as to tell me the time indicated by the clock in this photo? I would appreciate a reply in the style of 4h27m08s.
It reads 9h01m10s
